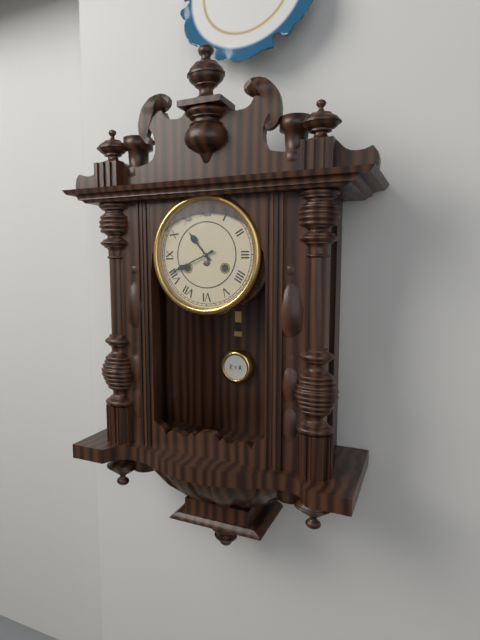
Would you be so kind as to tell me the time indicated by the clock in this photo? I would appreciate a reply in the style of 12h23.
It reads 10h41
